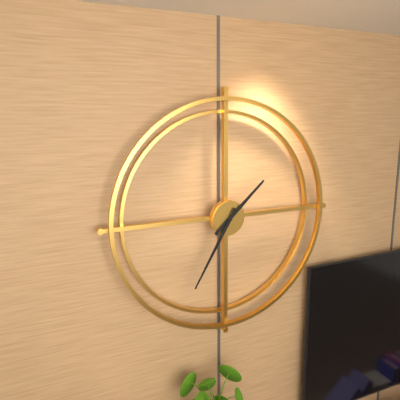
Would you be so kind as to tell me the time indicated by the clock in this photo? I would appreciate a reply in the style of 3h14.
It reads 1h35
